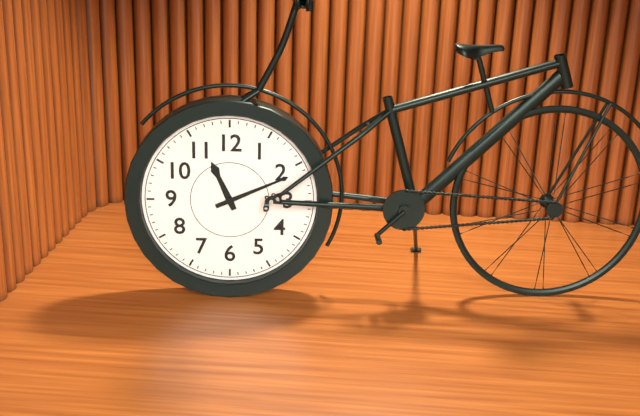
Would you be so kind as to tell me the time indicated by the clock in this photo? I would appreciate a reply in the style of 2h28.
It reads 11h11
